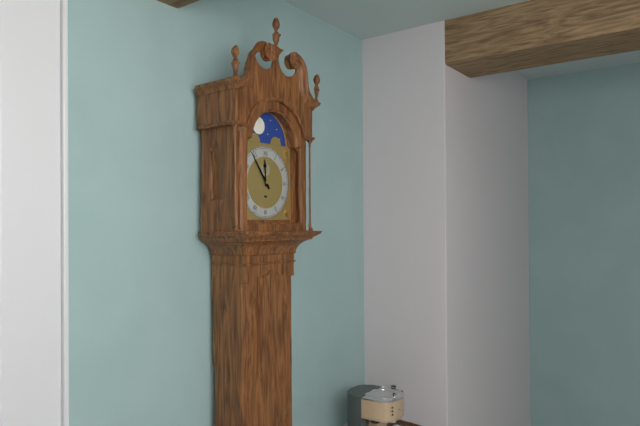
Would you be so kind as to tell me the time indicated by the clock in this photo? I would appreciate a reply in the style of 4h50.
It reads 11h54
